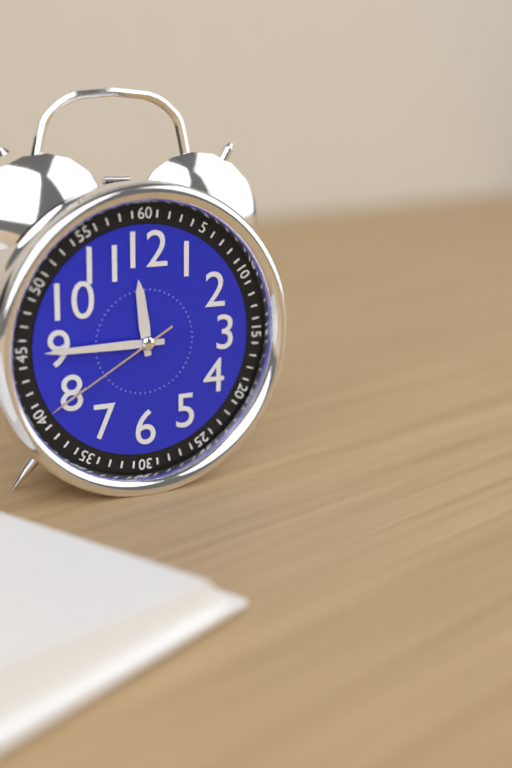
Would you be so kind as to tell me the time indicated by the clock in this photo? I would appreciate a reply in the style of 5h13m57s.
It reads 11h45m40s
